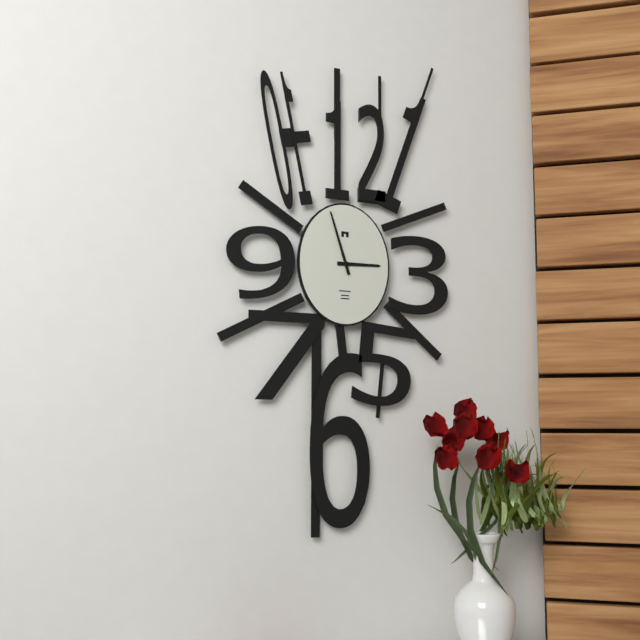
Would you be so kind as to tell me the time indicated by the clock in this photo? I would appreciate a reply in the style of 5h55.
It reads 2h57
